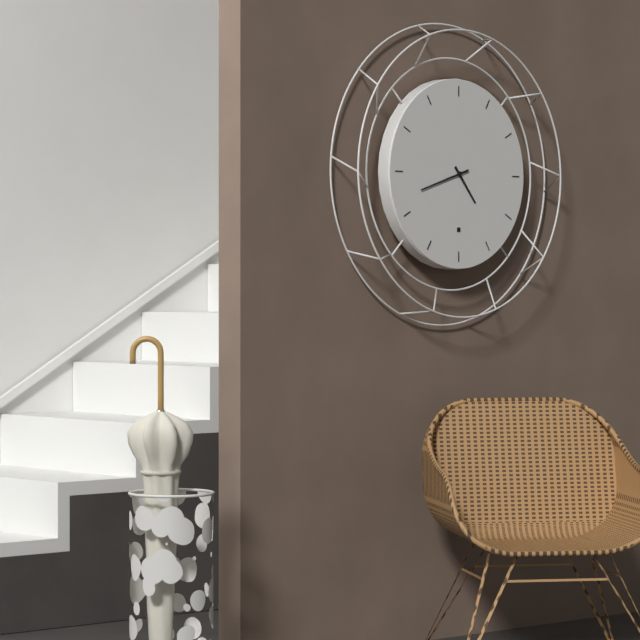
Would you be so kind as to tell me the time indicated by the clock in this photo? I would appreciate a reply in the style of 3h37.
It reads 4h42
